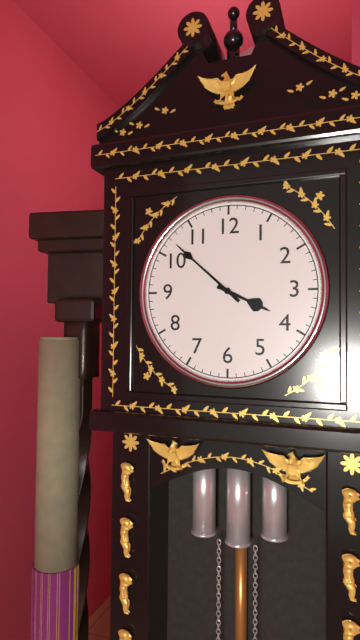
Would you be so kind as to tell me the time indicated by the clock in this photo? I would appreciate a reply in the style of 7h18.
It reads 3h52
